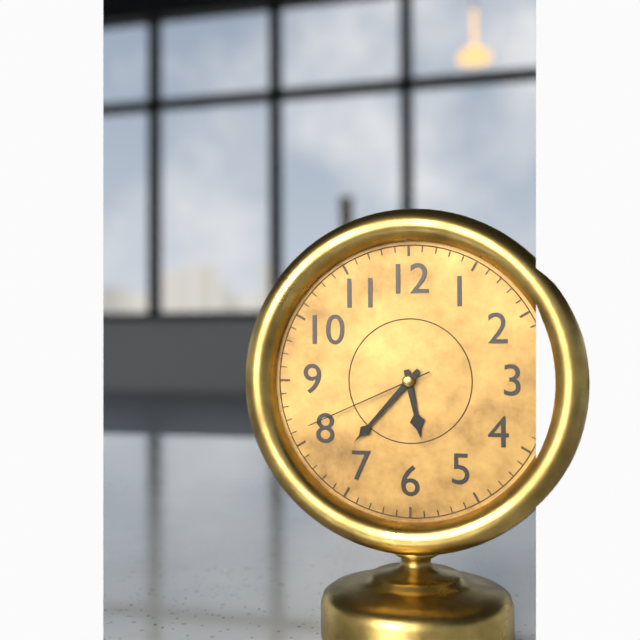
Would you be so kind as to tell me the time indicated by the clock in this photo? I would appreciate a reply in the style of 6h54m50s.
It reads 5h37m41s
